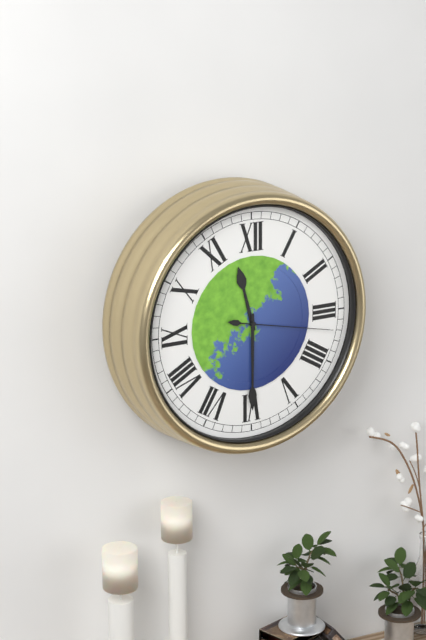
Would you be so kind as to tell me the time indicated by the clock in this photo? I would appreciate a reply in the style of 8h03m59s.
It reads 11h30m17s
